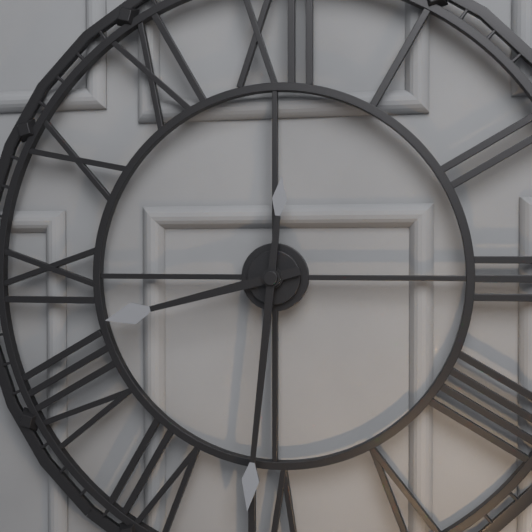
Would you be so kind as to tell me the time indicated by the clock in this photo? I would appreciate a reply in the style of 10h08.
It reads 8h31
